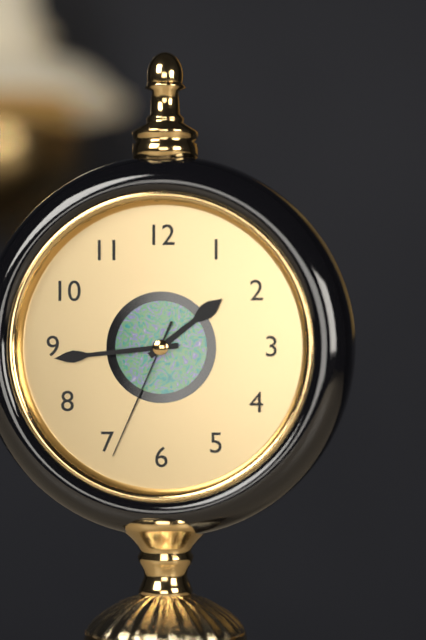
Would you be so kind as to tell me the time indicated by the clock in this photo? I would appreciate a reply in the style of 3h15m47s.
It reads 1h44m34s
